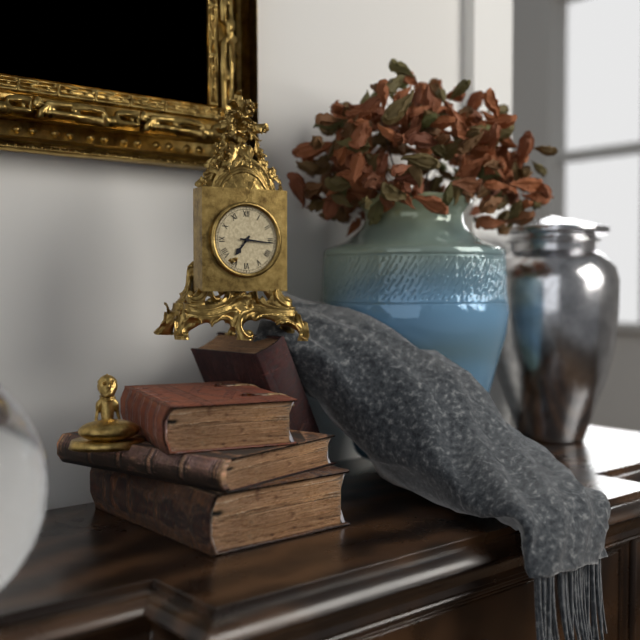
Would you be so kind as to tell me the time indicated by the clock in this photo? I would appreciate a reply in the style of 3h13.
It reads 7h16
